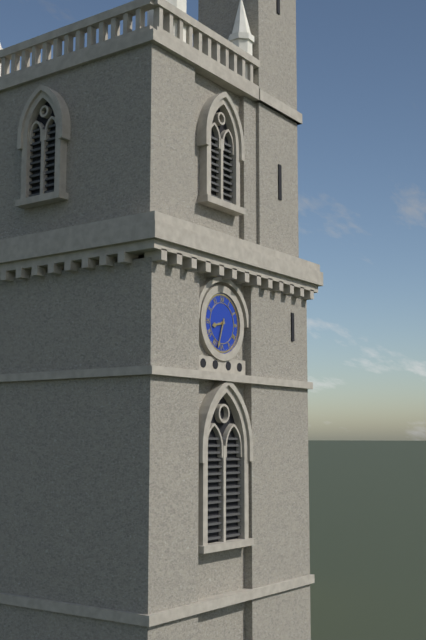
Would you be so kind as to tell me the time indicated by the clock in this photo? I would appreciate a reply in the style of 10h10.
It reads 8h33
